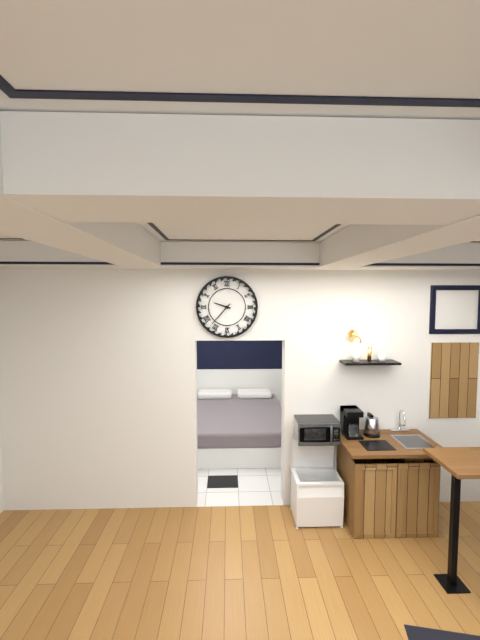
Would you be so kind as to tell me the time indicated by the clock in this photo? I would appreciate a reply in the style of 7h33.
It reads 9h37
